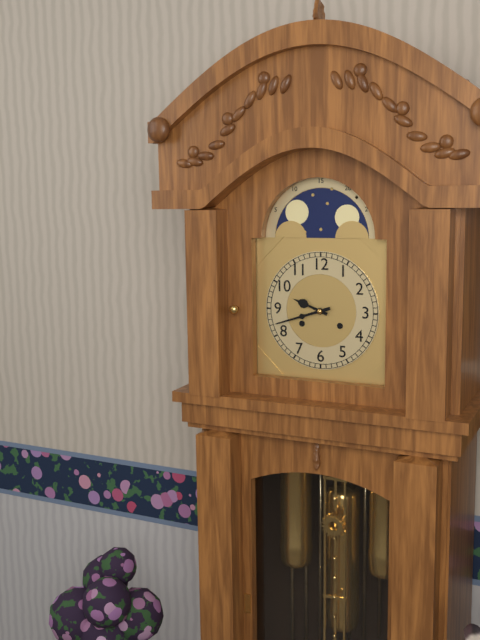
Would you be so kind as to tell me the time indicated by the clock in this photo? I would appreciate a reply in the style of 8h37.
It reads 9h42
